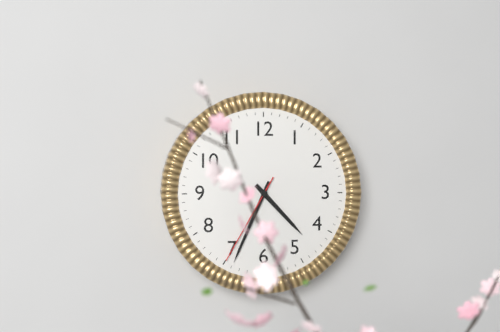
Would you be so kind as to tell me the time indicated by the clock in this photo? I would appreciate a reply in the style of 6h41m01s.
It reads 4h34m35s
